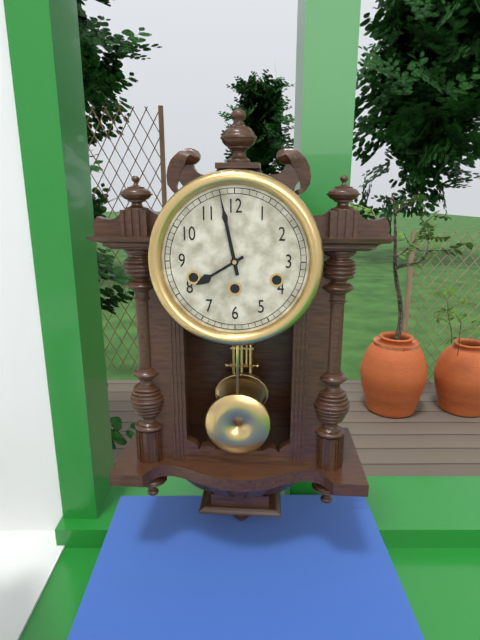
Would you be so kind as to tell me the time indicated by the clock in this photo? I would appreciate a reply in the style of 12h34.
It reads 7h58
